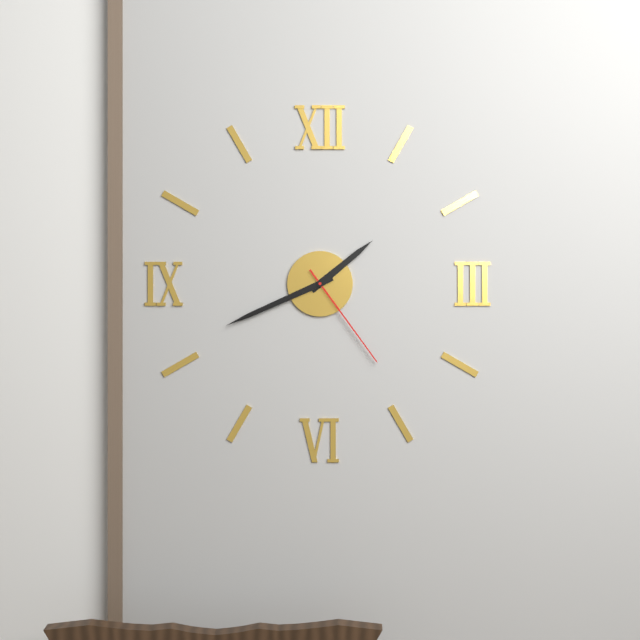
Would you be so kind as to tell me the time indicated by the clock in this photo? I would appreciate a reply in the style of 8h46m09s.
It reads 1h41m24s
